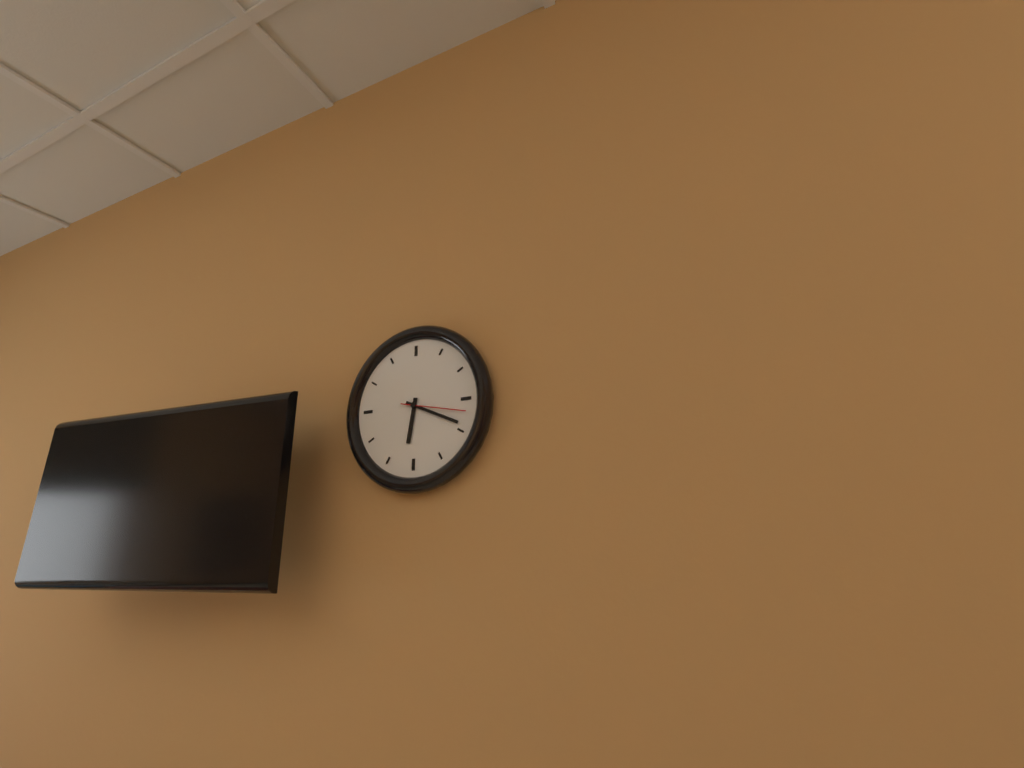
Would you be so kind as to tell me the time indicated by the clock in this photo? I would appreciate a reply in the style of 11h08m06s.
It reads 6h19m17s
